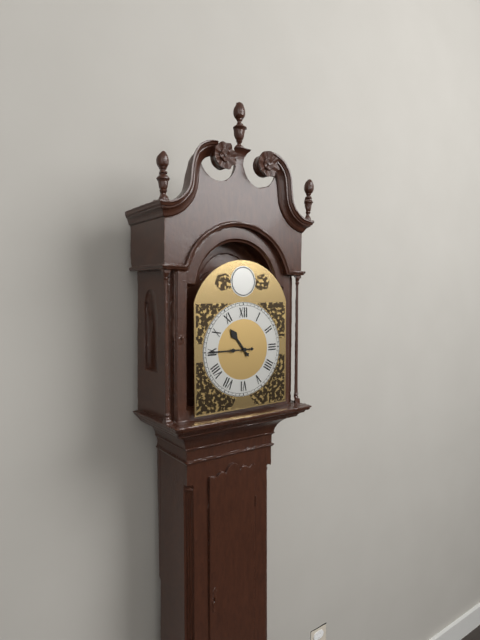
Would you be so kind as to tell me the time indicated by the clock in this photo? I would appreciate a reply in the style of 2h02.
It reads 10h45
